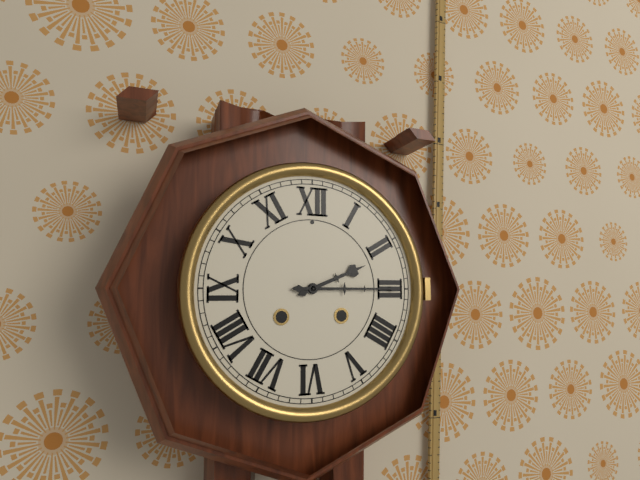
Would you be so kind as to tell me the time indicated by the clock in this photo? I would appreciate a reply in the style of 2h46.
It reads 2h15
